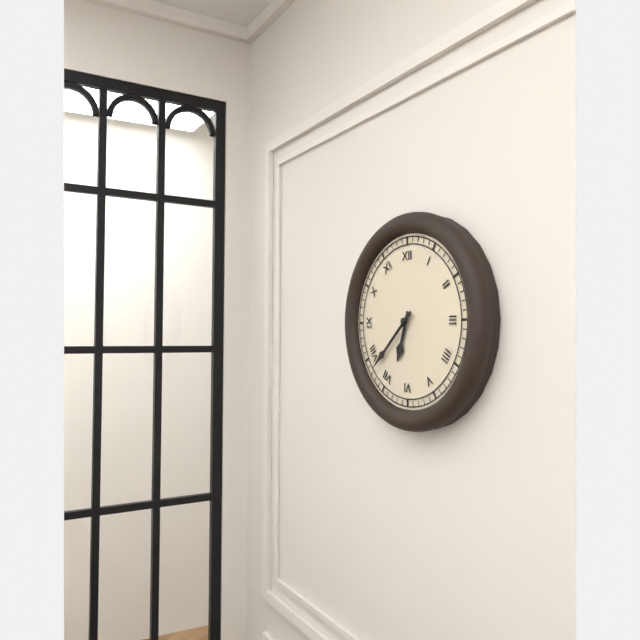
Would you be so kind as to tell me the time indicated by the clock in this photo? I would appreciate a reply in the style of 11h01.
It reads 6h38
